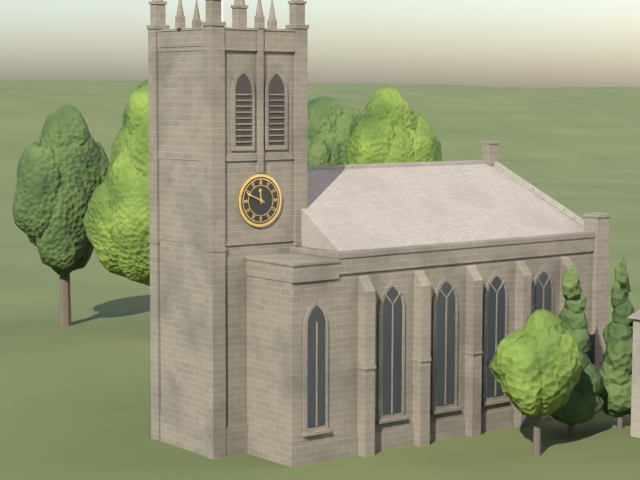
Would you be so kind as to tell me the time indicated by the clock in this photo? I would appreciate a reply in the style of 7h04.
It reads 11h49
